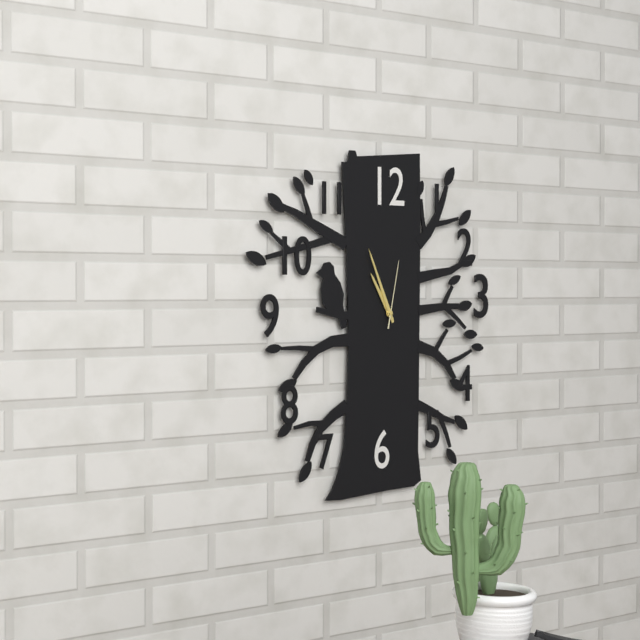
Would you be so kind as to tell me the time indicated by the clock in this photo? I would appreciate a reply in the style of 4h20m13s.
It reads 10h56m02s
